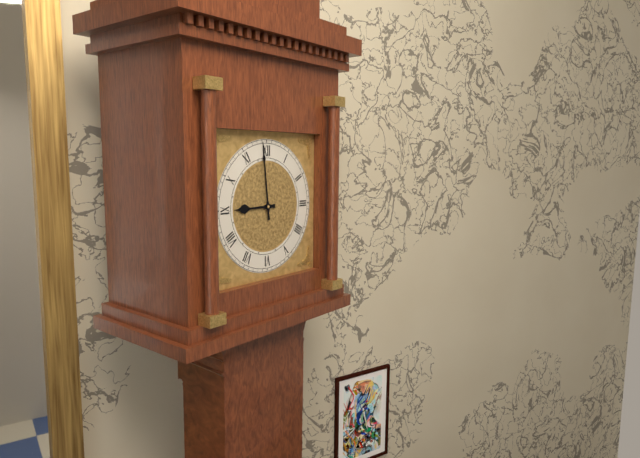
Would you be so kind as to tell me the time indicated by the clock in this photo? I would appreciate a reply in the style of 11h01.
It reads 8h59
